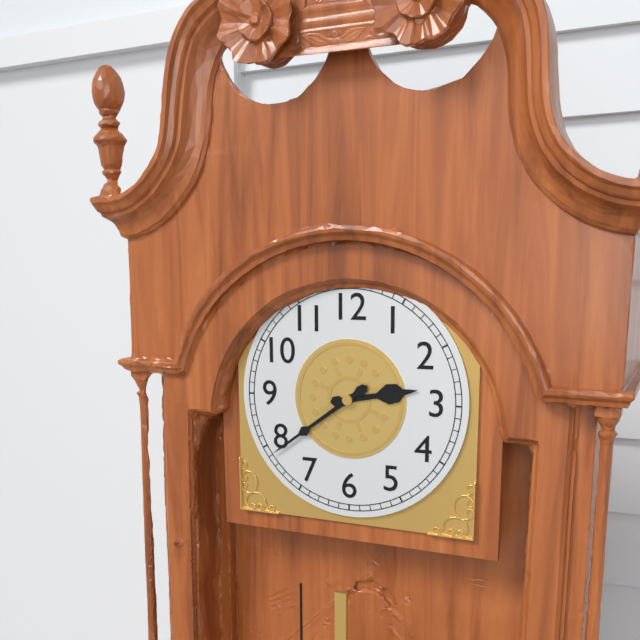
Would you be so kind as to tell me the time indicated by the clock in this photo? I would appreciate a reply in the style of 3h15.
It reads 2h39
